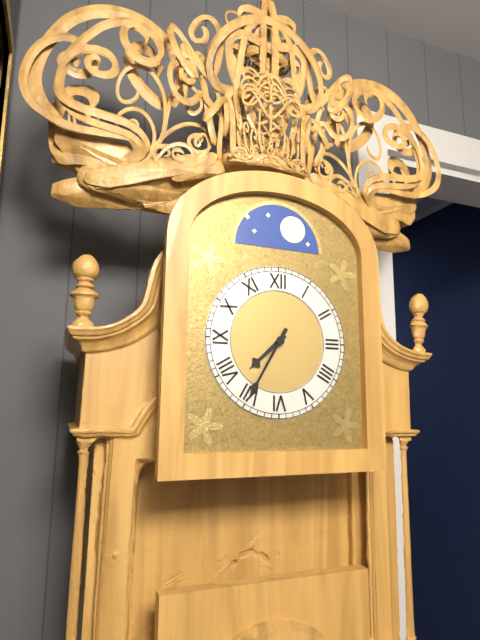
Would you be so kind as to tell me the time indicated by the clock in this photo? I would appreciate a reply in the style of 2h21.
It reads 7h35
